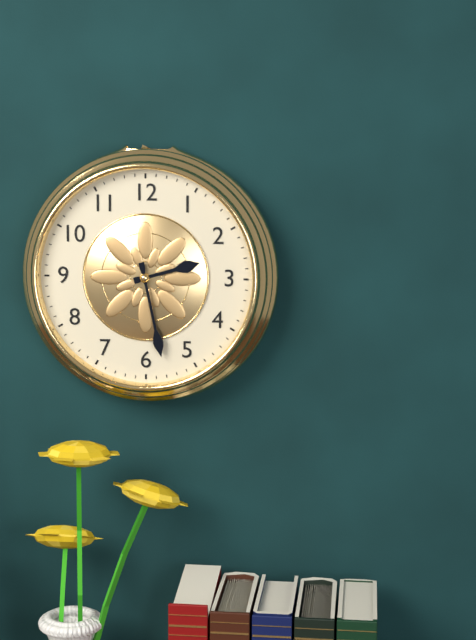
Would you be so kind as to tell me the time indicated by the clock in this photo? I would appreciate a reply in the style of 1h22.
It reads 2h28
